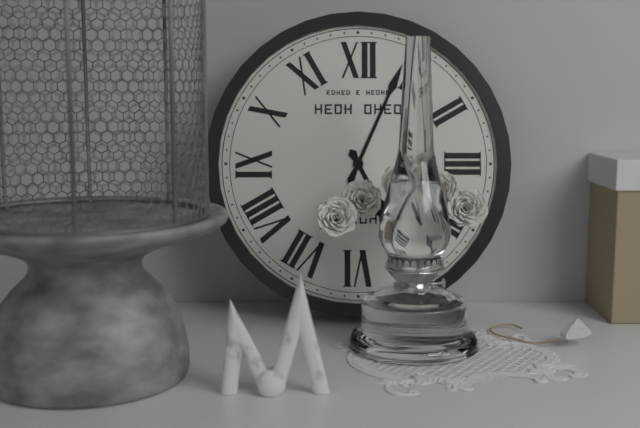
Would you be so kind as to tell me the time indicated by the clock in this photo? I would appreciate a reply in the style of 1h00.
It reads 5h04
